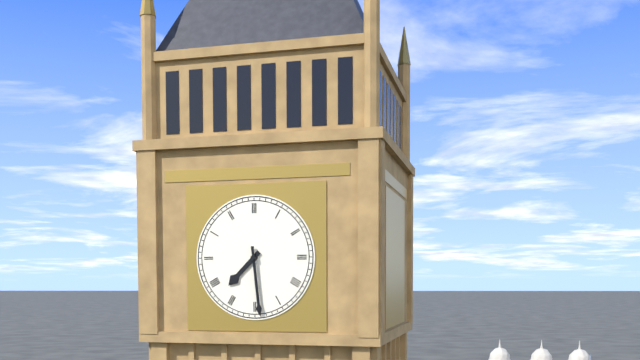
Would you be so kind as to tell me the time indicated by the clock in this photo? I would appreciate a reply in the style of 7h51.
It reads 7h29
